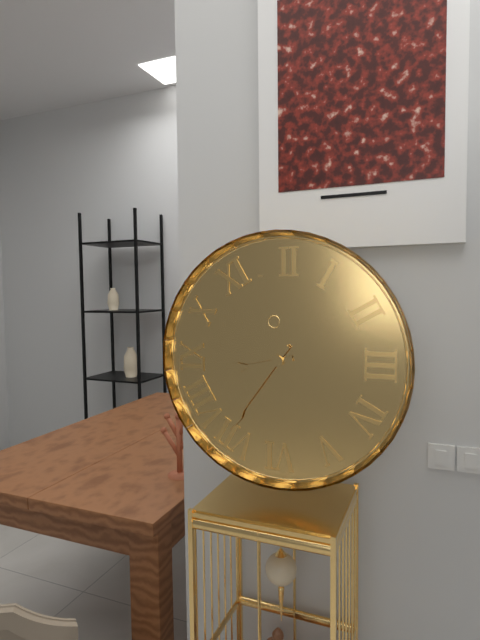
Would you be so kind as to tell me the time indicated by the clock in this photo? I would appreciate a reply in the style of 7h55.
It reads 8h36
